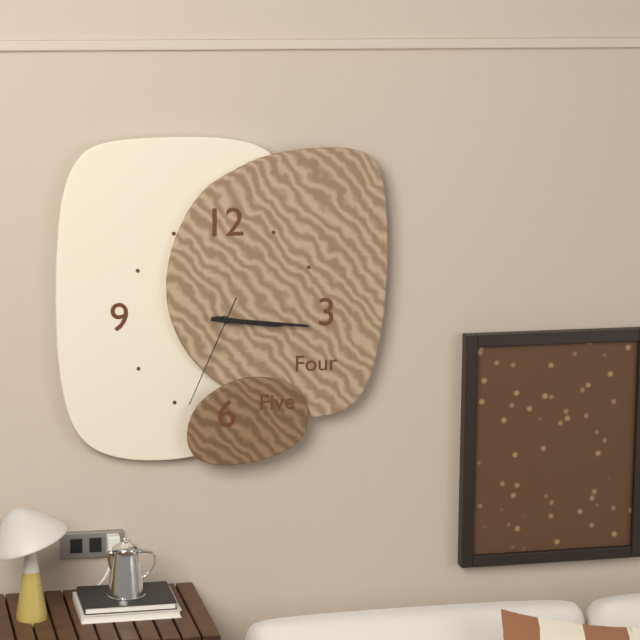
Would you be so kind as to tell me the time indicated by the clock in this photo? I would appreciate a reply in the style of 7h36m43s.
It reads 3h16m34s
